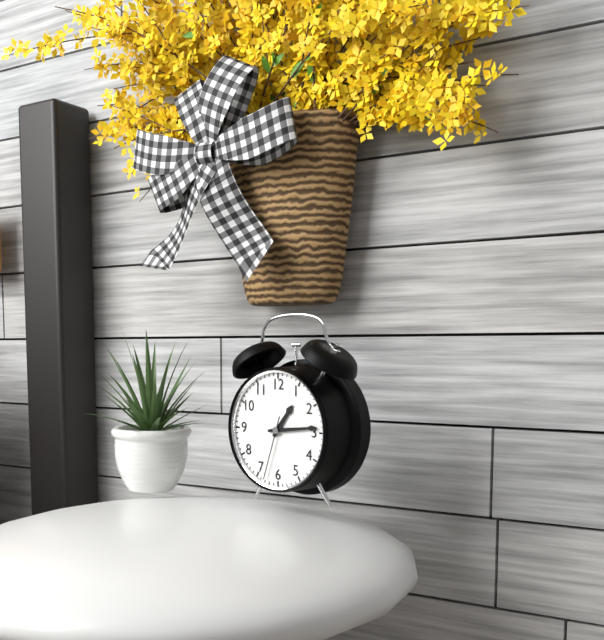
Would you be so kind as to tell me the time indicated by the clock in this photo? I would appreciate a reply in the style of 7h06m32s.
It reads 1h14m33s
